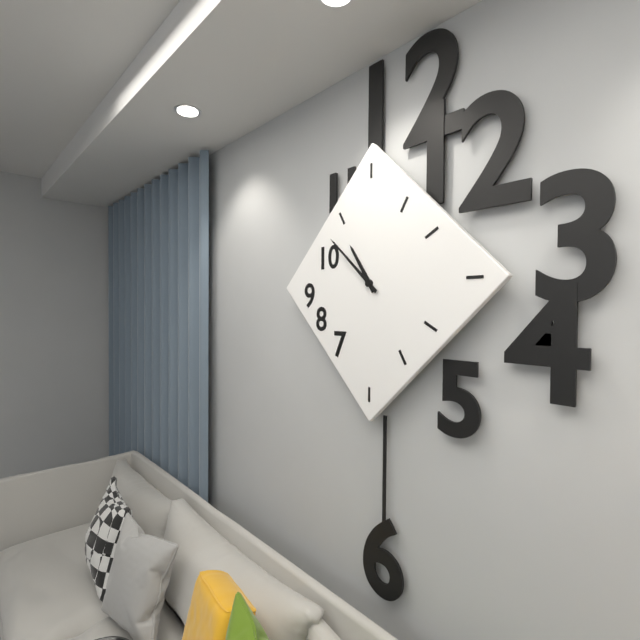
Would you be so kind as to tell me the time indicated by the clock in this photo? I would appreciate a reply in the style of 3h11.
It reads 10h52
